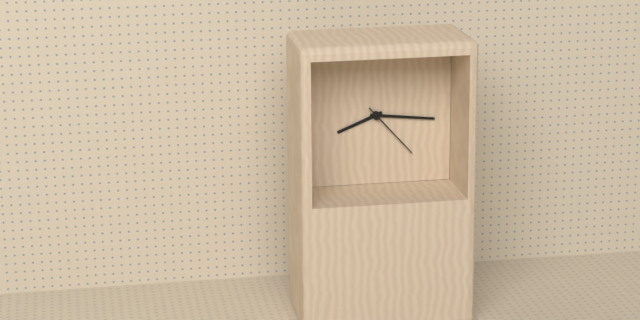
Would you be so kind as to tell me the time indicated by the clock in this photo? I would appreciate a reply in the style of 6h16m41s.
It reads 8h16m23s
